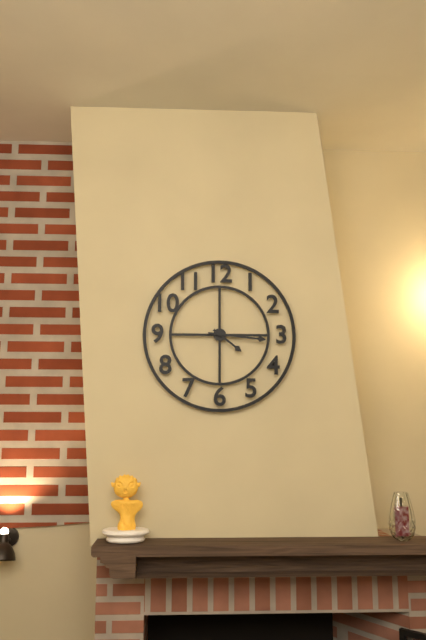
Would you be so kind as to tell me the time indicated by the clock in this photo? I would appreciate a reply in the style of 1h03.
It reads 4h16
